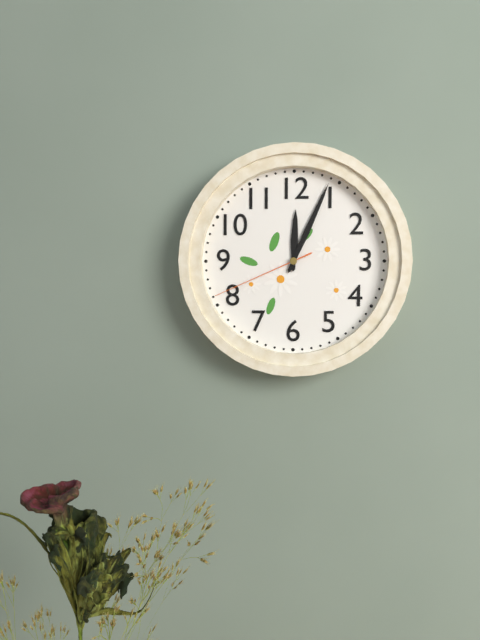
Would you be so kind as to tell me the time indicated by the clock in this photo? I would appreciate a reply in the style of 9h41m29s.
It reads 12h04m41s
